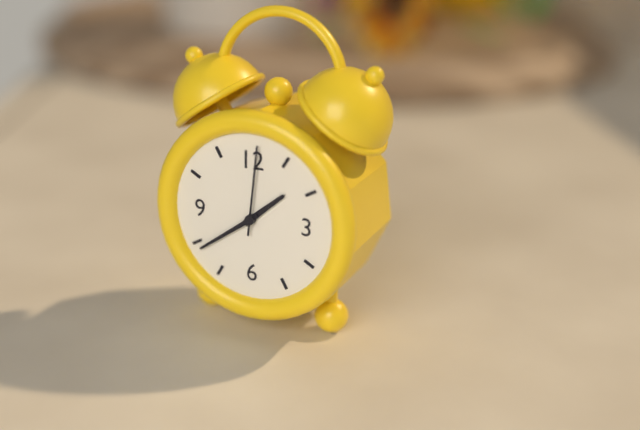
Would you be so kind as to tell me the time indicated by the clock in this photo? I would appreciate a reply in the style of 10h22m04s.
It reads 1h39m01s
